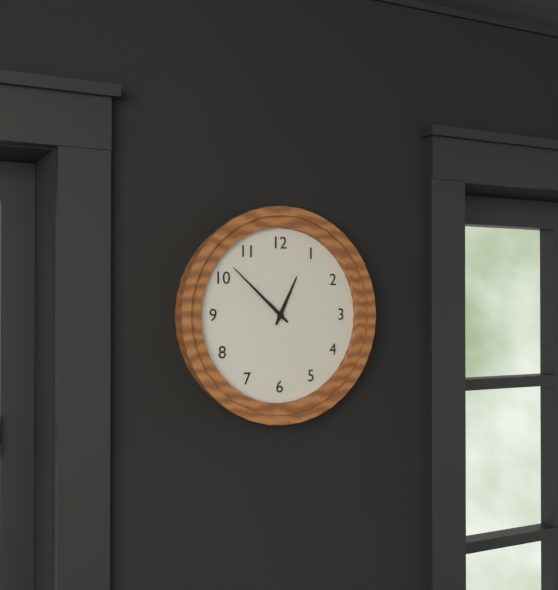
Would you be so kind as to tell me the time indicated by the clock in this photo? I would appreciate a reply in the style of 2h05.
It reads 12h52
